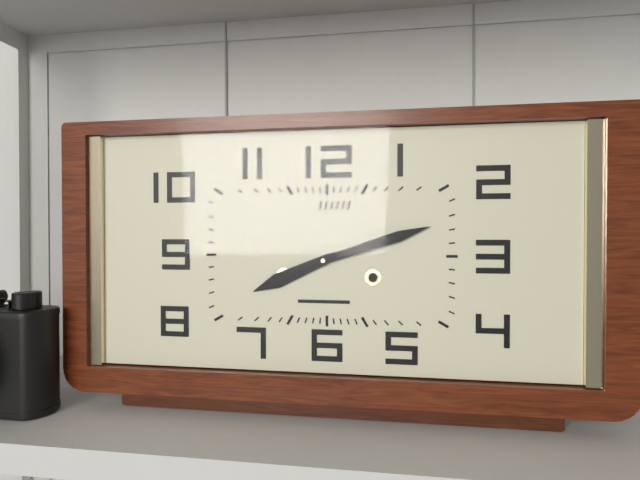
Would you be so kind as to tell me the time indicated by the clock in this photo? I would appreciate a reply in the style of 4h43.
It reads 8h12
